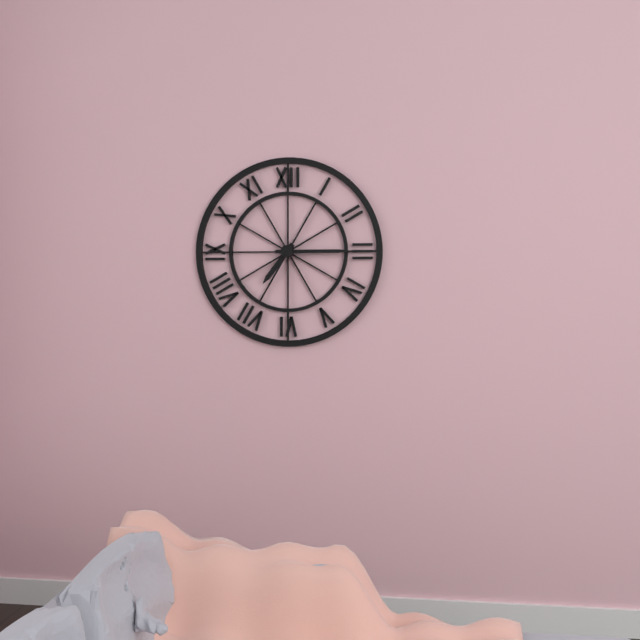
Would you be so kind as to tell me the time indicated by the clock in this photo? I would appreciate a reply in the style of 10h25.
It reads 7h15
